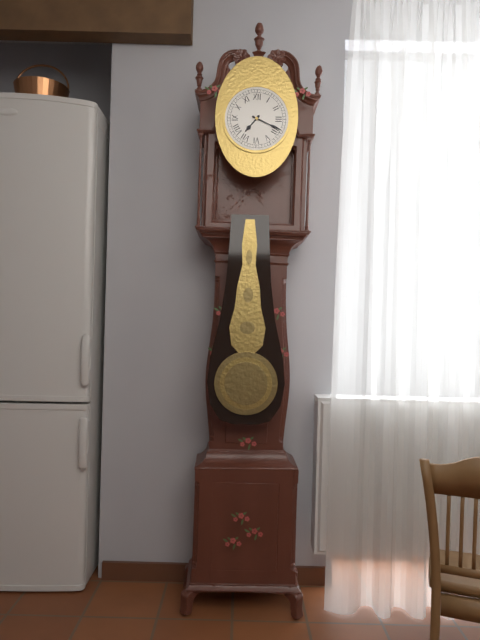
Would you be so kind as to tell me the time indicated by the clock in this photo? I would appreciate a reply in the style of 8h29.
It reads 7h19
